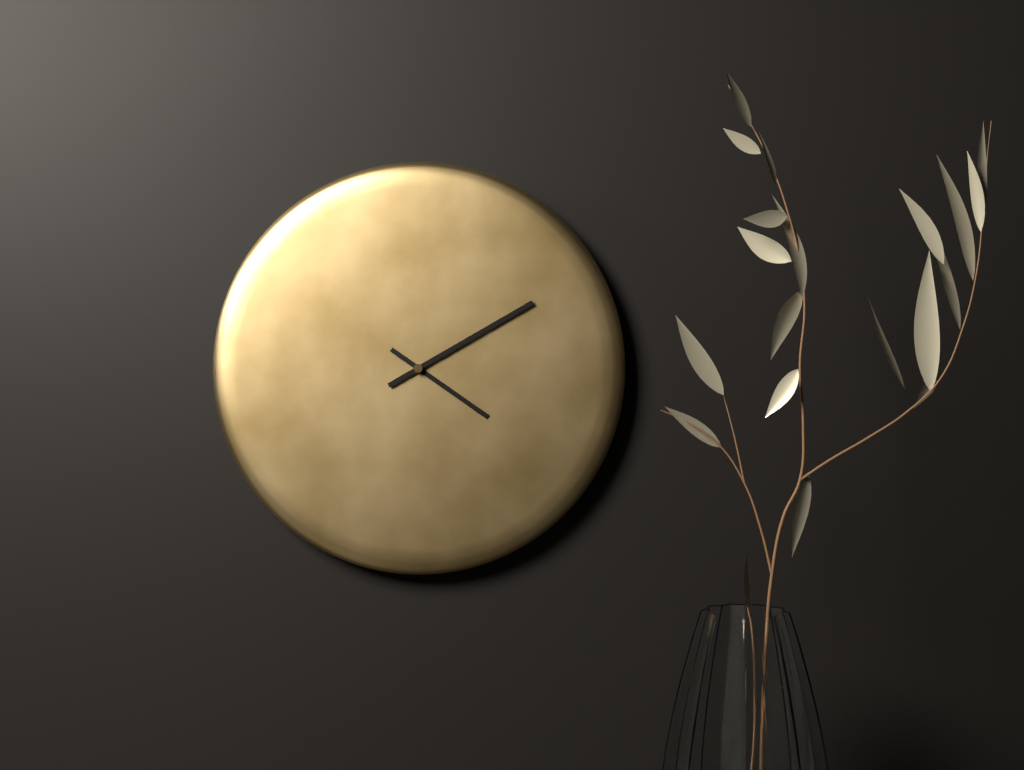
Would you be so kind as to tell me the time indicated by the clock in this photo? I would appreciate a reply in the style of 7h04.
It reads 4h10
